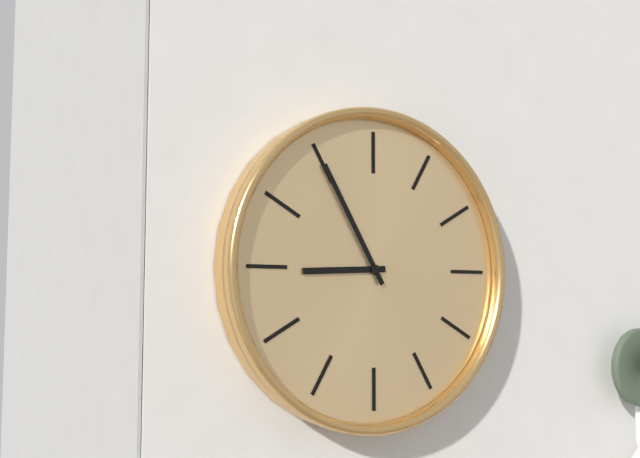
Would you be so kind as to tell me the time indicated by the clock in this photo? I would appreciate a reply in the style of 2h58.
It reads 8h55
